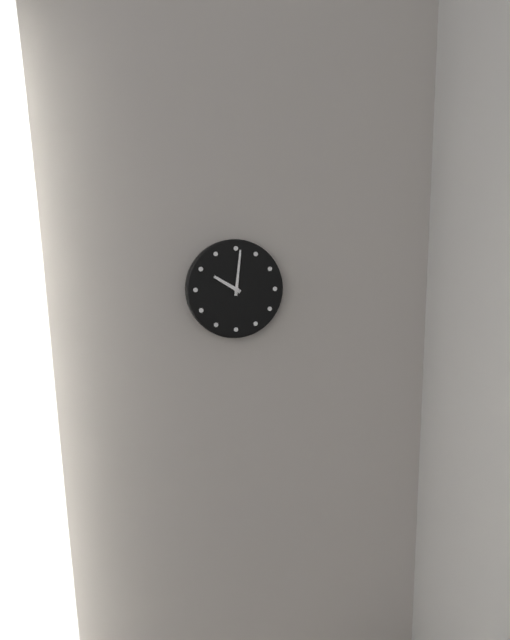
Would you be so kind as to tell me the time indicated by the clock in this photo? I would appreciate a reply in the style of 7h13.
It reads 10h01
